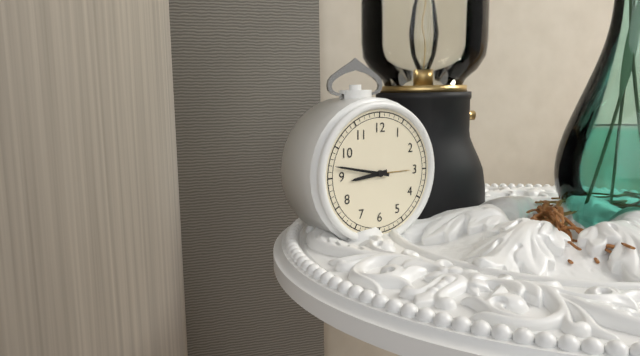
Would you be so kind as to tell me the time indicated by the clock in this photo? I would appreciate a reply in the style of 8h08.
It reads 8h47
